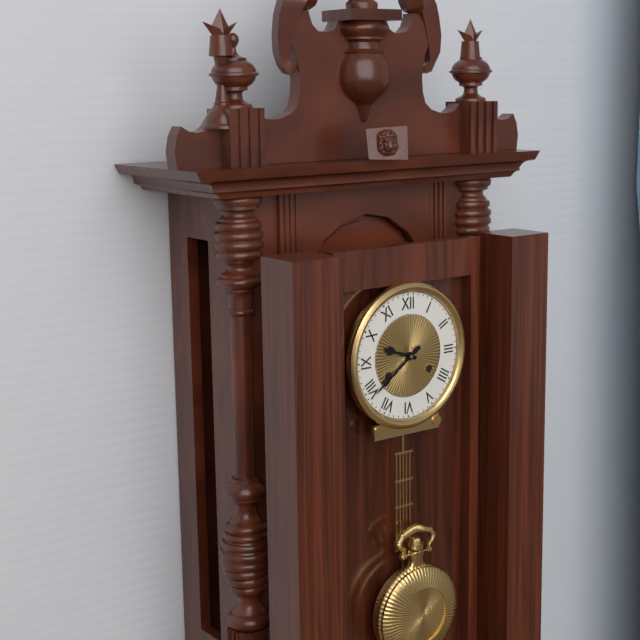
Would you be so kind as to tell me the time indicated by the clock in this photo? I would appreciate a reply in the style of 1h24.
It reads 9h39
